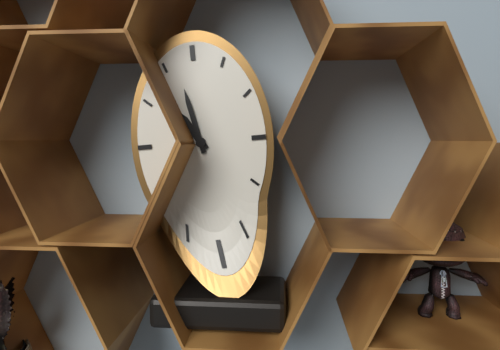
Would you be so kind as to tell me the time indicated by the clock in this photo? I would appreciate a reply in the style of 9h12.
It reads 10h58
